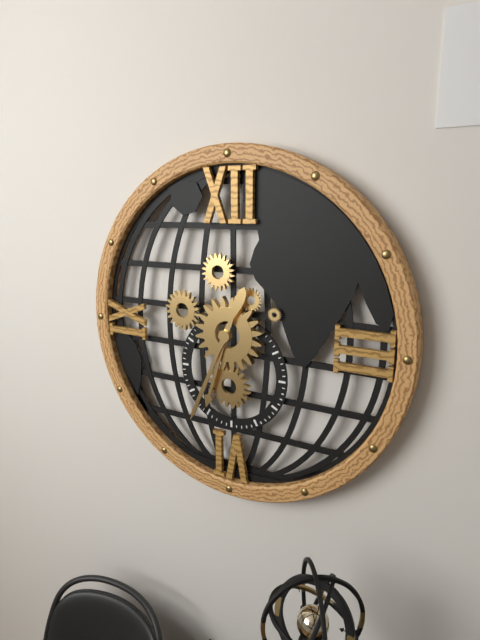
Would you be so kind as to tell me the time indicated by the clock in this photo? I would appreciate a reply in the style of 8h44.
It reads 6h34
